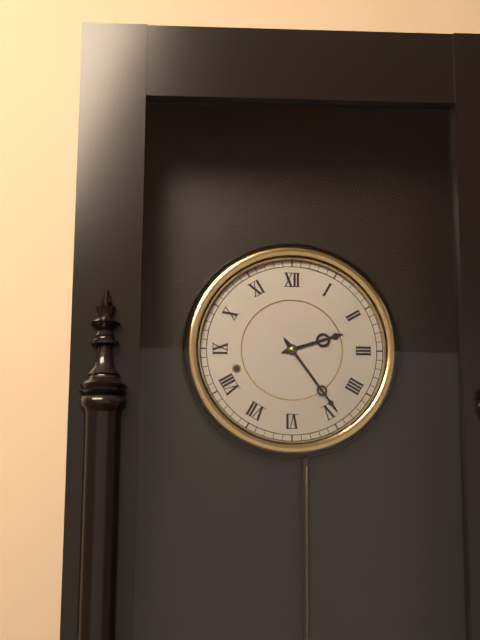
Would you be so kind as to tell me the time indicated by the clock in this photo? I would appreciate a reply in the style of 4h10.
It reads 2h24
